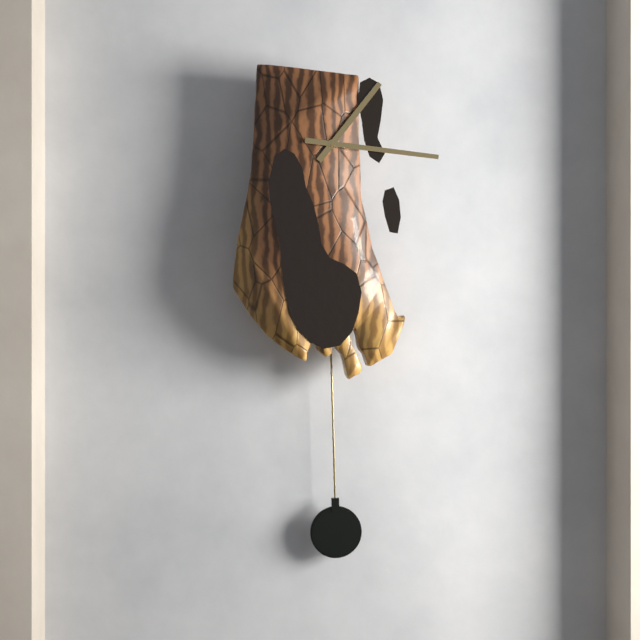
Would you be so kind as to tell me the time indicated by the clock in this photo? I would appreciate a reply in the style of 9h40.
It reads 1h16
